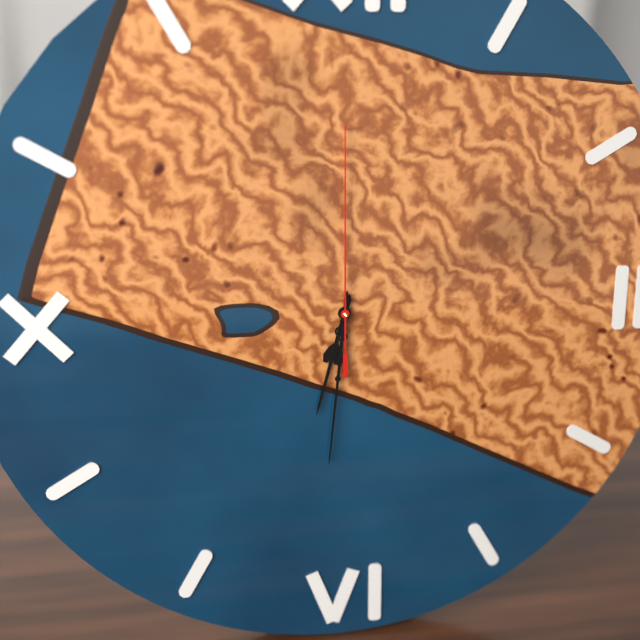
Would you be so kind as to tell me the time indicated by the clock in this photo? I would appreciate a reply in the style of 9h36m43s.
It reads 6h31m00s
